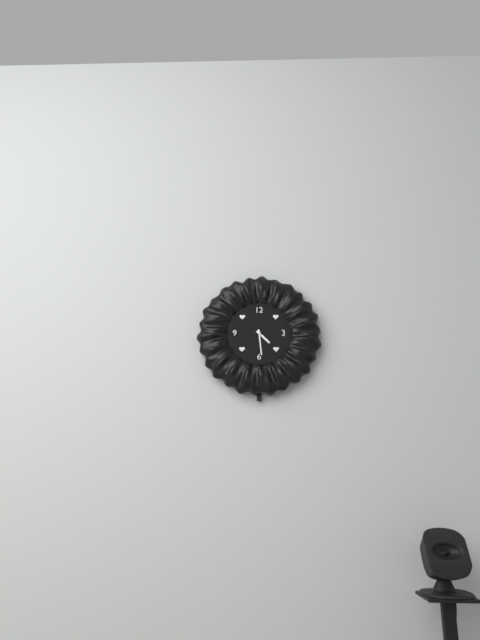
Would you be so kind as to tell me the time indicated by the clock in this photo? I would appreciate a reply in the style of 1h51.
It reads 4h29
